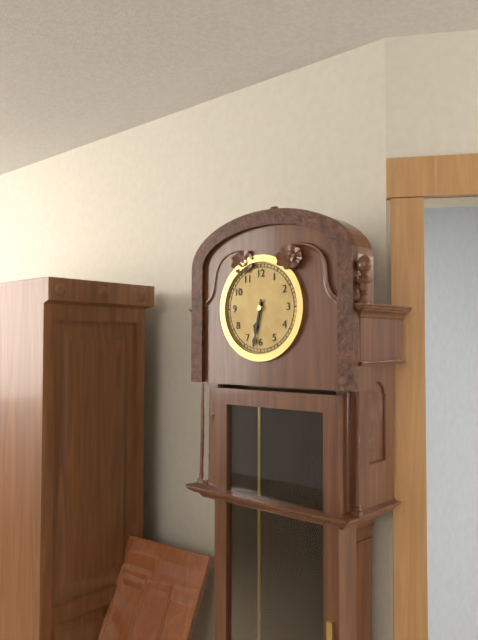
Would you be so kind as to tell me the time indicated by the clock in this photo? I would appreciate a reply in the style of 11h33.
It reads 6h32
